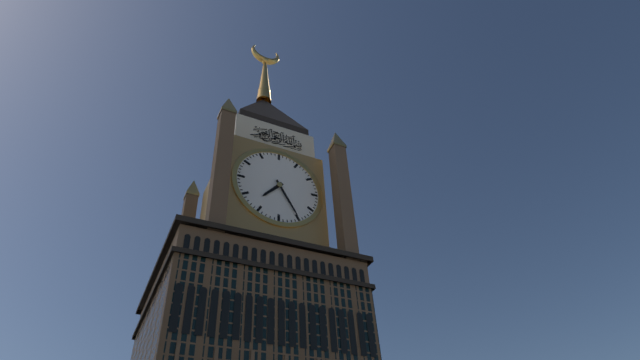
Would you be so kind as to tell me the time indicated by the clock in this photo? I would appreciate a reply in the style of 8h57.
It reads 7h25
